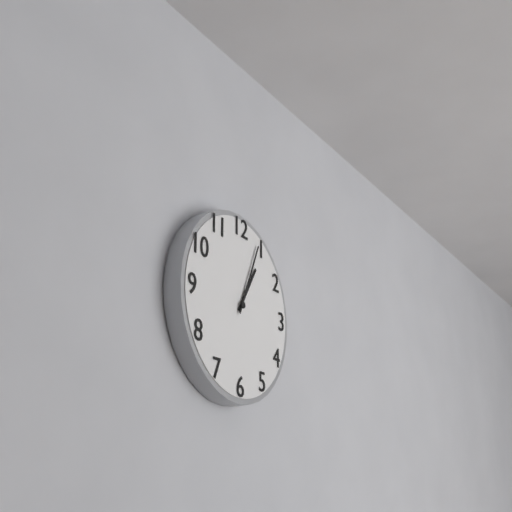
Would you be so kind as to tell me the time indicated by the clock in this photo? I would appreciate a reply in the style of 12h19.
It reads 1h04
